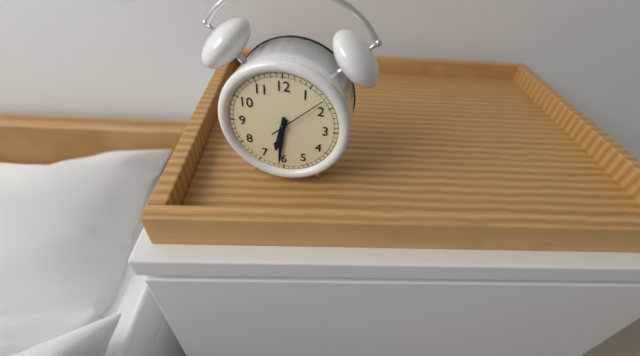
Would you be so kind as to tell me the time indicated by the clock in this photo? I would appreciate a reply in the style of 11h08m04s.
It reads 6h31m08s
